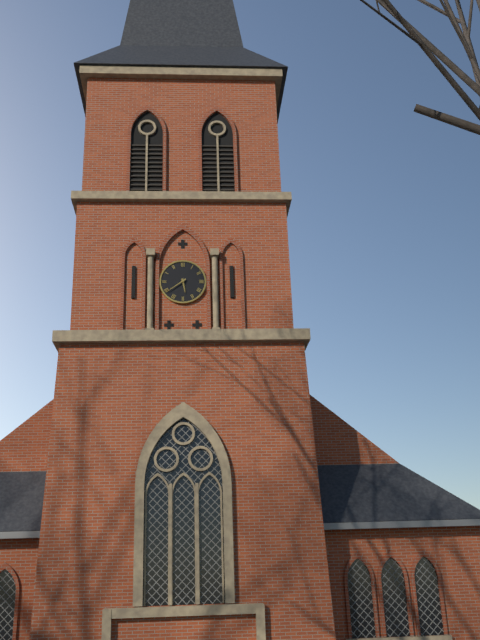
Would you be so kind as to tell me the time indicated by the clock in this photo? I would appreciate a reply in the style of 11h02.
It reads 5h39
